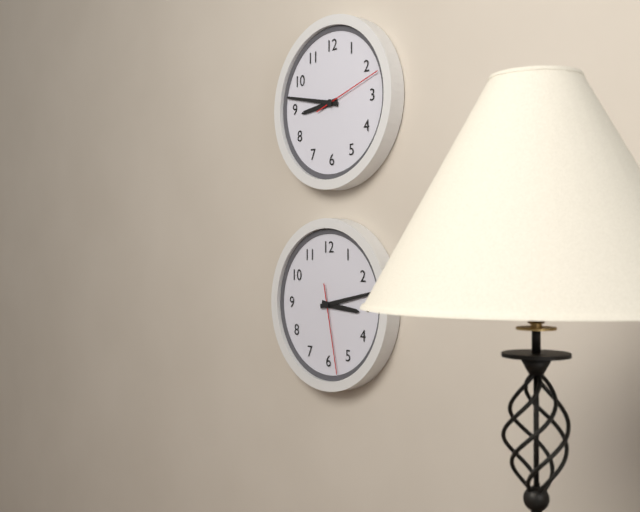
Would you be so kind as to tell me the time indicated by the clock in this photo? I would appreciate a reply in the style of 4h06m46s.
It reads 3h13m28s
